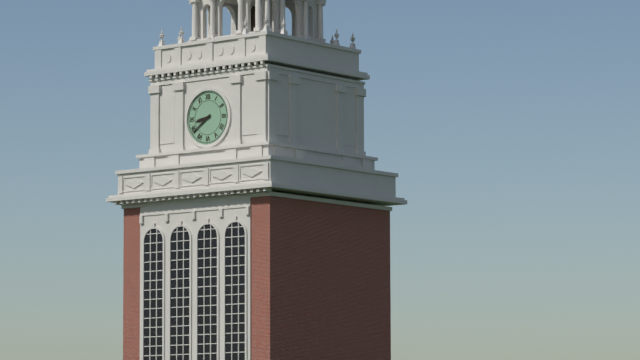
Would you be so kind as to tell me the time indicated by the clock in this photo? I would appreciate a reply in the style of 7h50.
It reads 8h39
